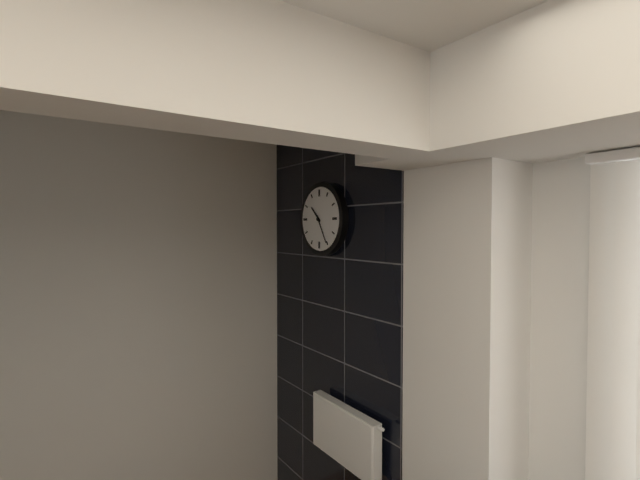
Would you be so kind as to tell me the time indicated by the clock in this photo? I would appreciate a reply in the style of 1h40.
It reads 10h25
